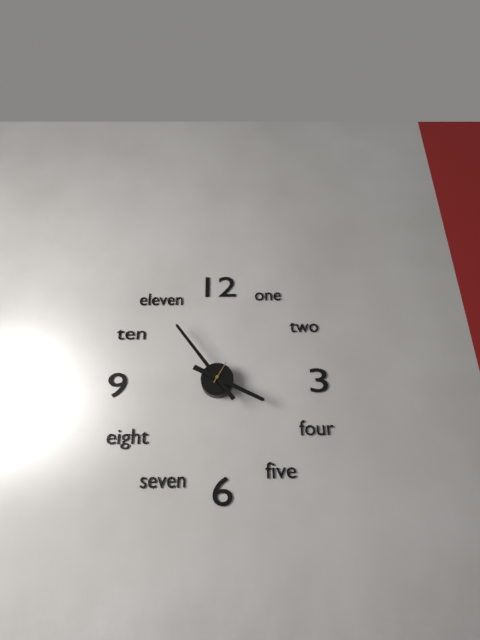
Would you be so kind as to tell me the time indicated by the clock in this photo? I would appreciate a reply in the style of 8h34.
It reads 3h54
